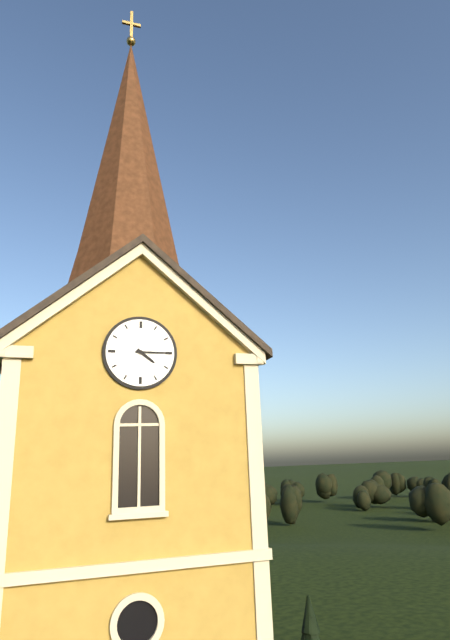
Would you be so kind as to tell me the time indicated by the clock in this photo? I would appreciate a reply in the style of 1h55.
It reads 4h15
